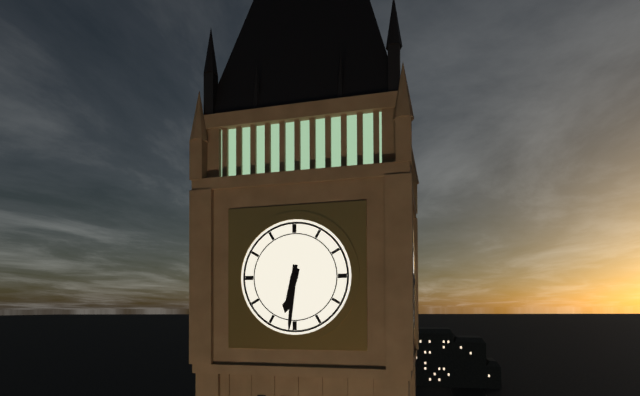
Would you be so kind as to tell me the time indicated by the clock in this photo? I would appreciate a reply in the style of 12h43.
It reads 6h31
